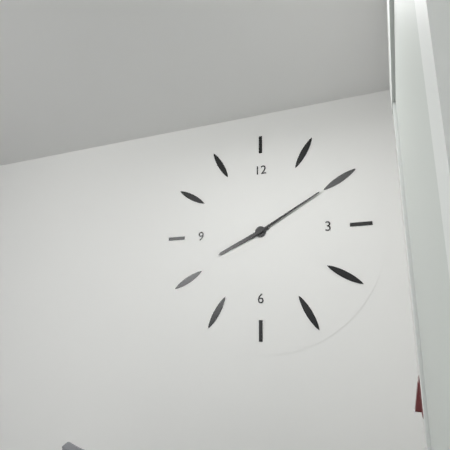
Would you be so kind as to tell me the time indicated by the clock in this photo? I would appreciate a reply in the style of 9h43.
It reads 8h10
